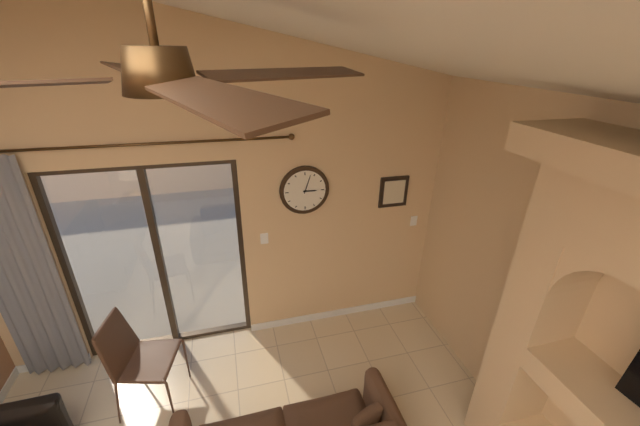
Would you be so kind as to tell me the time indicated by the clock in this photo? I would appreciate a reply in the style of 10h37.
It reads 3h03
